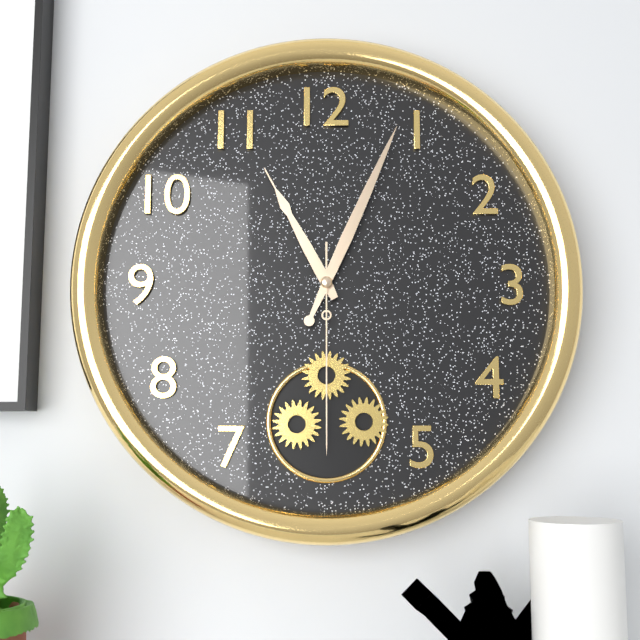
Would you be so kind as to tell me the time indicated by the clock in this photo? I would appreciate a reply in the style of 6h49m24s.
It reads 11h04m30s
